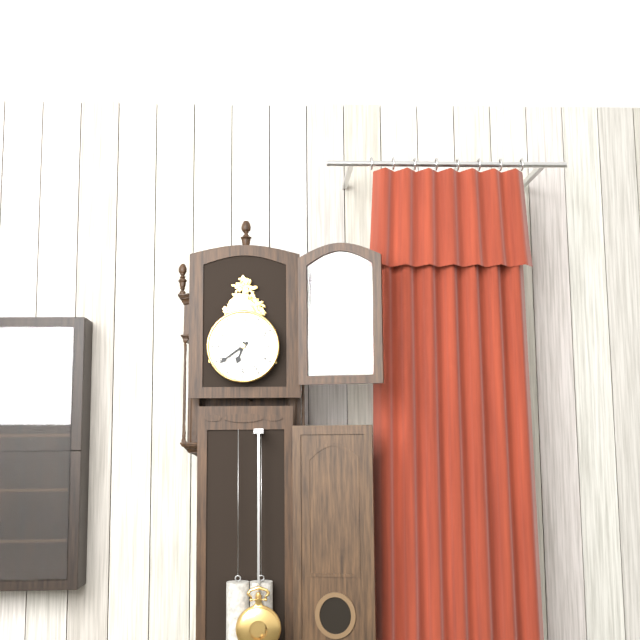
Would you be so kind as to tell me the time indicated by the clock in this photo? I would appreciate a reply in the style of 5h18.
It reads 6h39
